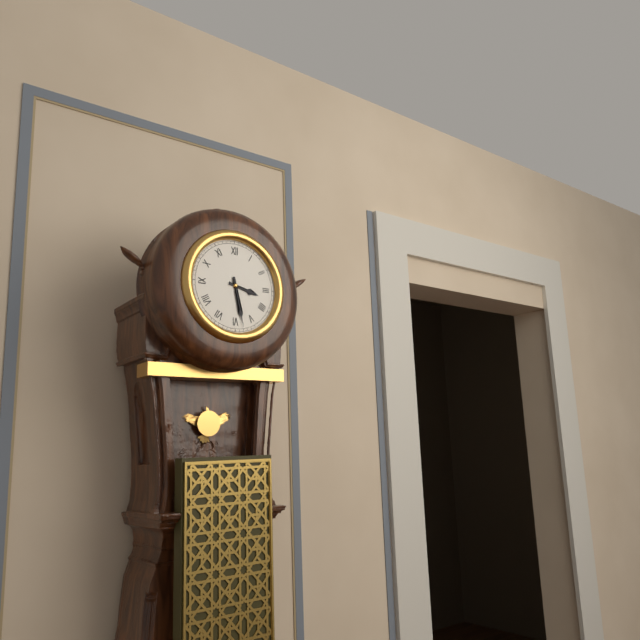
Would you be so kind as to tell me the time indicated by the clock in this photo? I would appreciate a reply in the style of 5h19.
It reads 3h28
